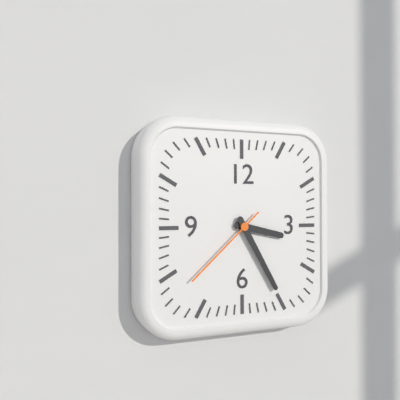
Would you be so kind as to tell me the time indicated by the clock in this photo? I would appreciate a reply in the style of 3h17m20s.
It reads 3h25m38s
